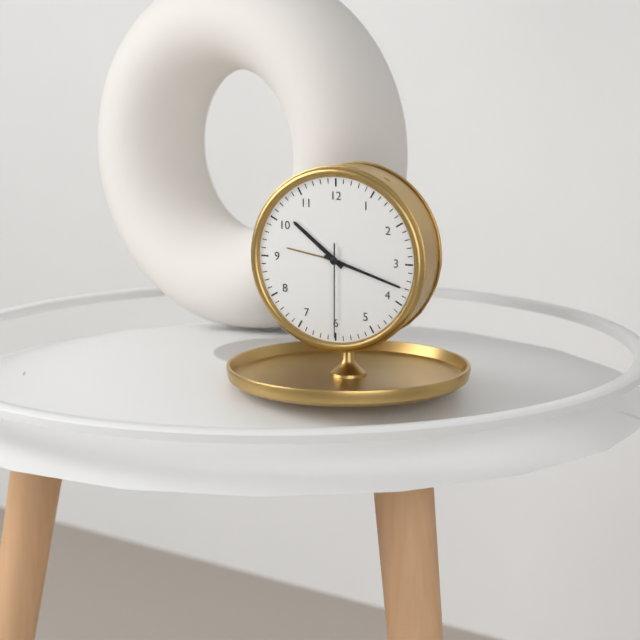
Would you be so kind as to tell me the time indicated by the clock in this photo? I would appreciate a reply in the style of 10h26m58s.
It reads 10h18m30s
